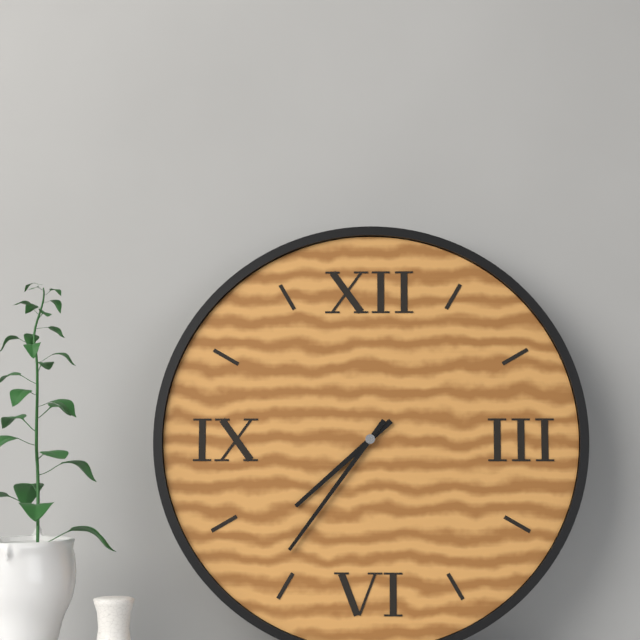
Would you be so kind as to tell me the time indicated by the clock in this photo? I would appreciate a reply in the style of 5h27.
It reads 7h36
